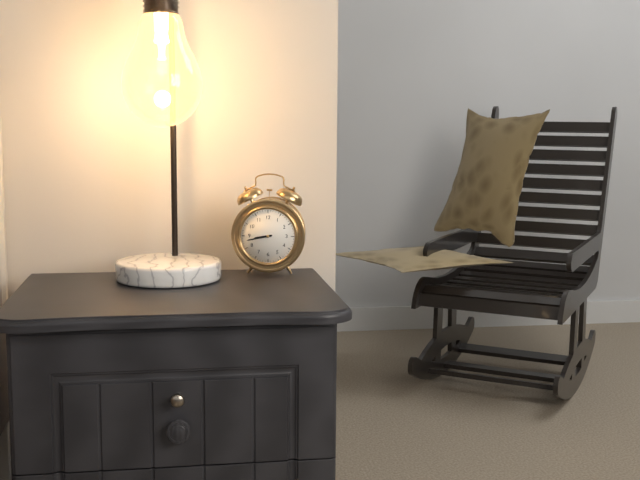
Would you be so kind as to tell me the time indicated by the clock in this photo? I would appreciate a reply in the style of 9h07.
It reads 8h43
